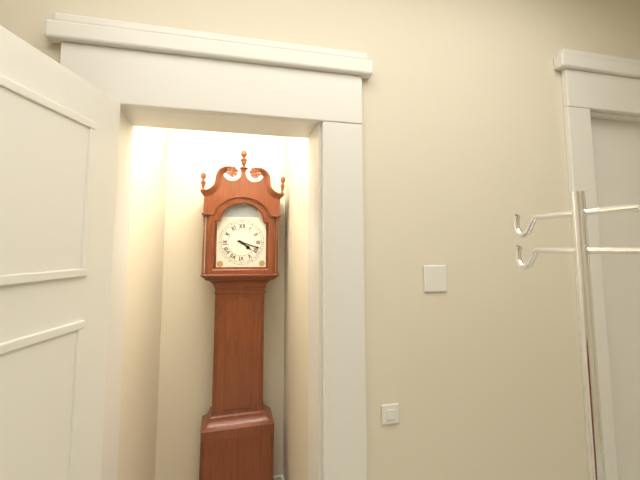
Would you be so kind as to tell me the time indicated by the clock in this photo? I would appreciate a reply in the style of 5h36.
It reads 4h18
